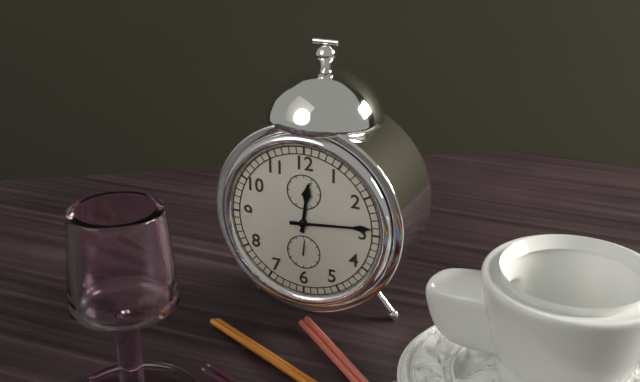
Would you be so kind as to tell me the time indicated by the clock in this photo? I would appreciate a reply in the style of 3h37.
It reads 12h14
